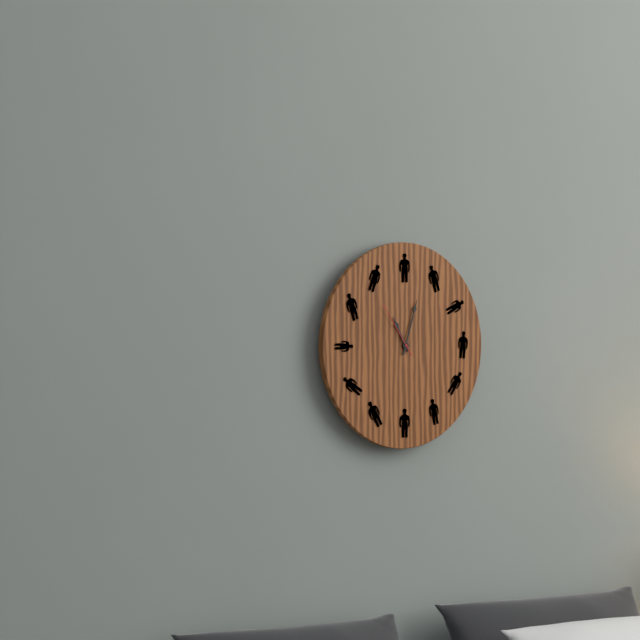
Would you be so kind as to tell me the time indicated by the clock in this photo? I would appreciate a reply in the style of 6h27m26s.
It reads 11h03m54s
